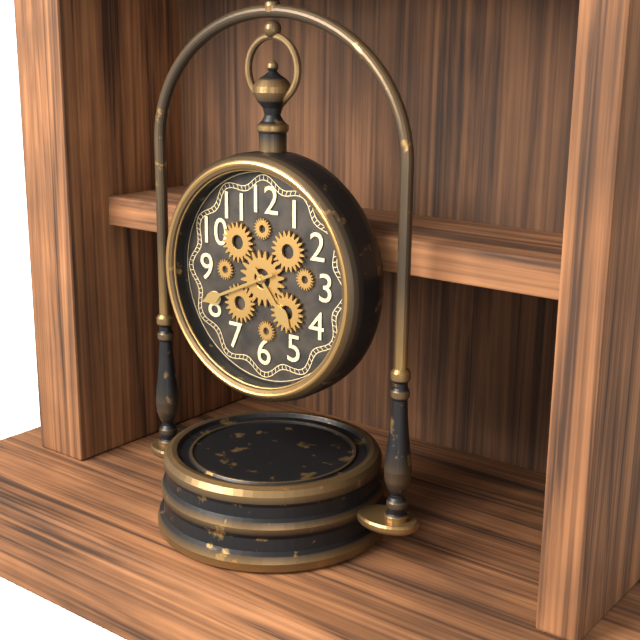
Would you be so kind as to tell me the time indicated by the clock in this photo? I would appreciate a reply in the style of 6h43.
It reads 4h41
